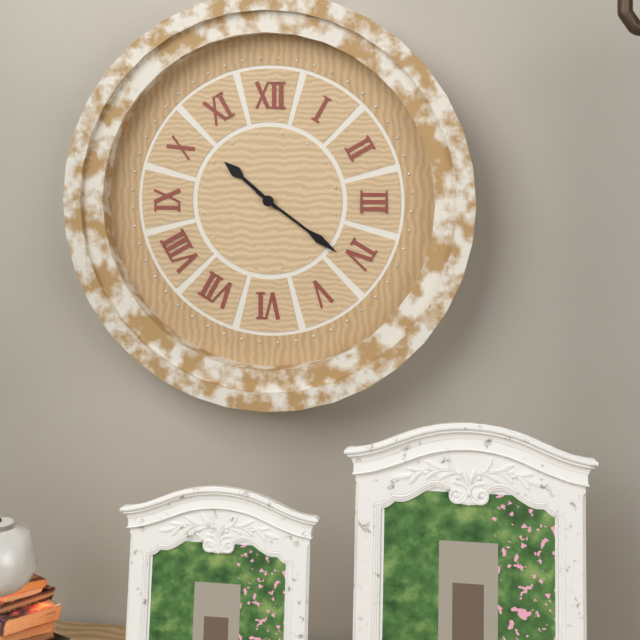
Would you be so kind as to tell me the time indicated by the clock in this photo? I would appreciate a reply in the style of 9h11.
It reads 10h21
